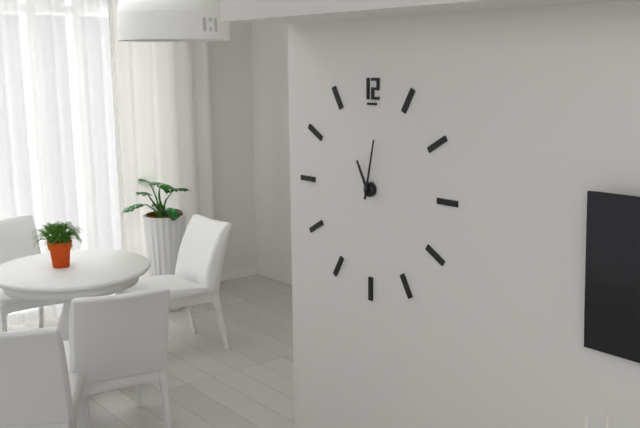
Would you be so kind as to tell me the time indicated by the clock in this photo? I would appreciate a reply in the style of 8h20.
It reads 11h02
